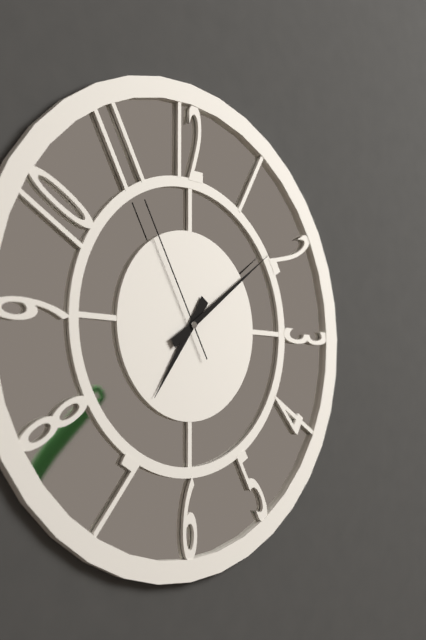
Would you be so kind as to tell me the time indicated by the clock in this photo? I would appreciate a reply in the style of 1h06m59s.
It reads 7h09m55s
